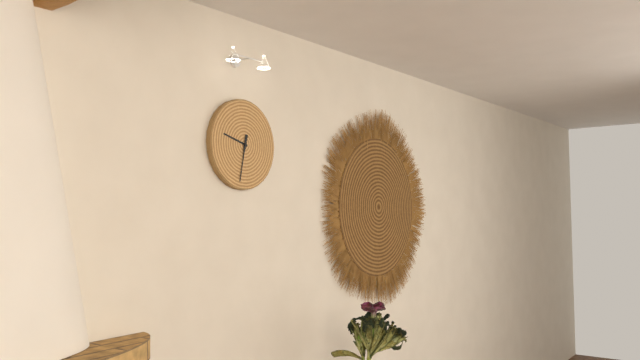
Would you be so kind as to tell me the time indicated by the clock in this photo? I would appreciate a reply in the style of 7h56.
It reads 9h32
